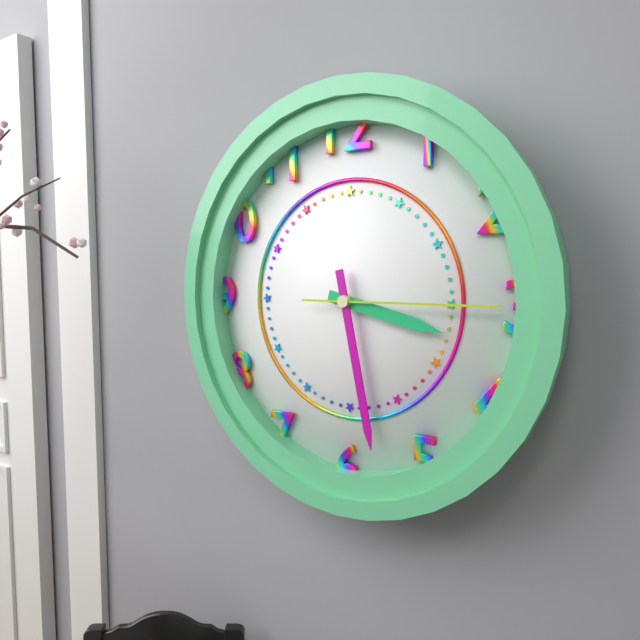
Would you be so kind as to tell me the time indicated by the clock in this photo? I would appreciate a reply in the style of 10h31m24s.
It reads 3h28m15s
